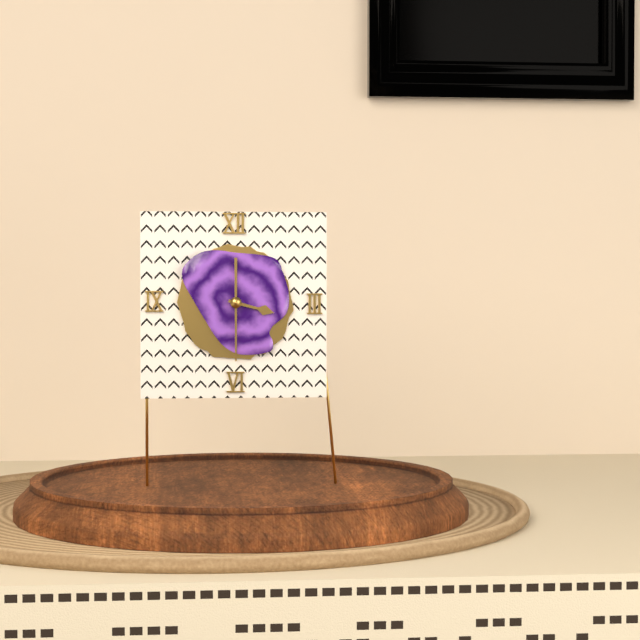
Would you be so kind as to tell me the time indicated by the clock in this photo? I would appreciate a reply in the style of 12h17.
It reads 3h30
